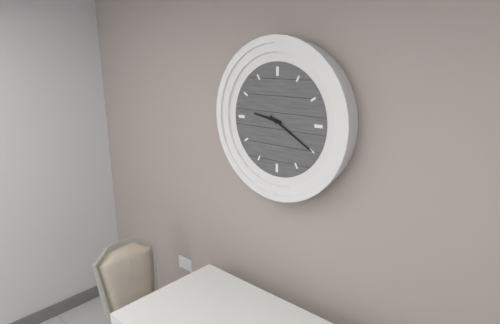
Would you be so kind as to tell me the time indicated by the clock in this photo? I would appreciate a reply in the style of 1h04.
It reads 9h20
